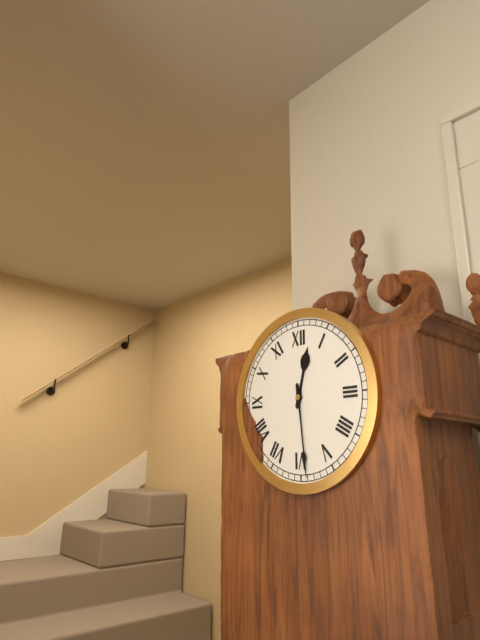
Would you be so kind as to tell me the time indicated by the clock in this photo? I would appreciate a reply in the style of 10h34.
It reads 12h29
